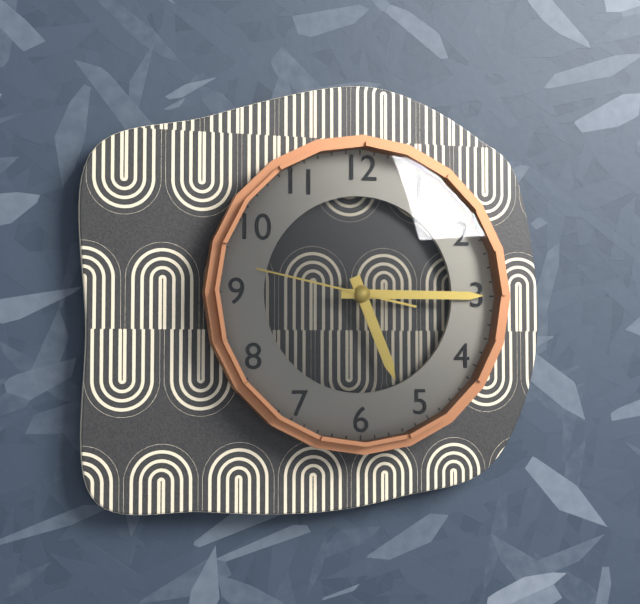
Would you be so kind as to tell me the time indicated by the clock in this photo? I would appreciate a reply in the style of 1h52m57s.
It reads 5h15m47s
